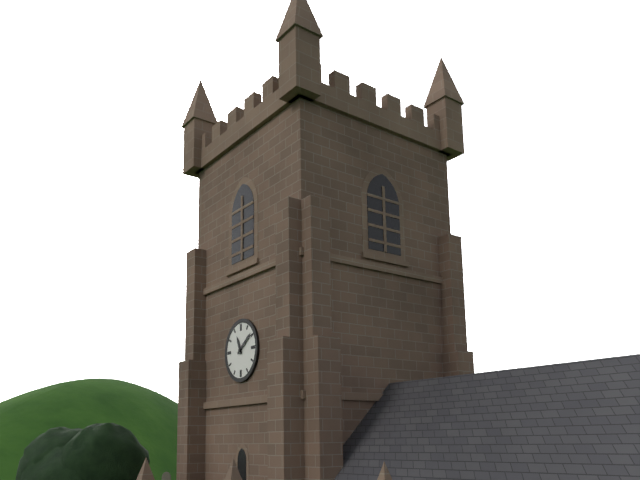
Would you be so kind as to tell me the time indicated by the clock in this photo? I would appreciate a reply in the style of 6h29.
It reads 11h09
